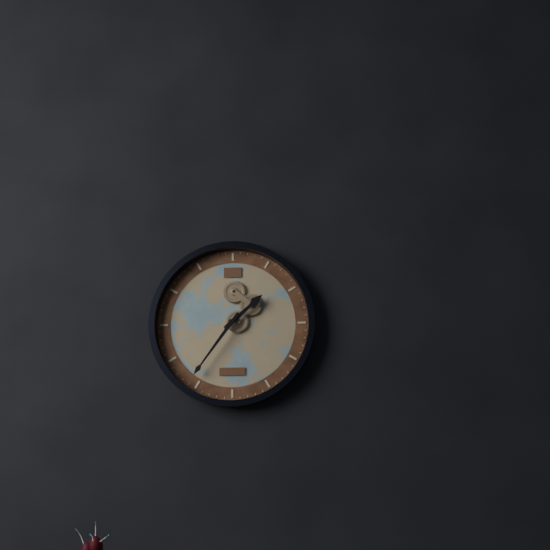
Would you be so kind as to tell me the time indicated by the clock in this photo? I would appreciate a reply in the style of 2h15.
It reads 1h36
